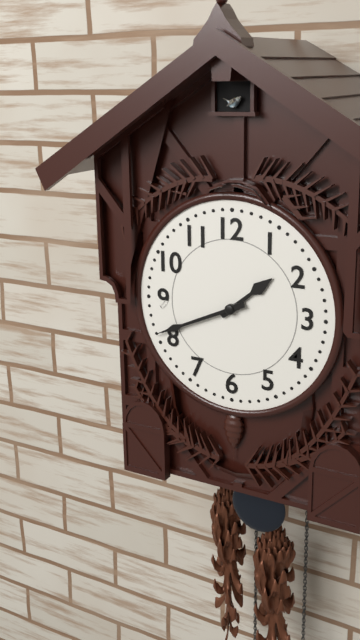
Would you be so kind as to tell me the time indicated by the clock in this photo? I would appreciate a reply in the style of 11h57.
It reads 1h41
